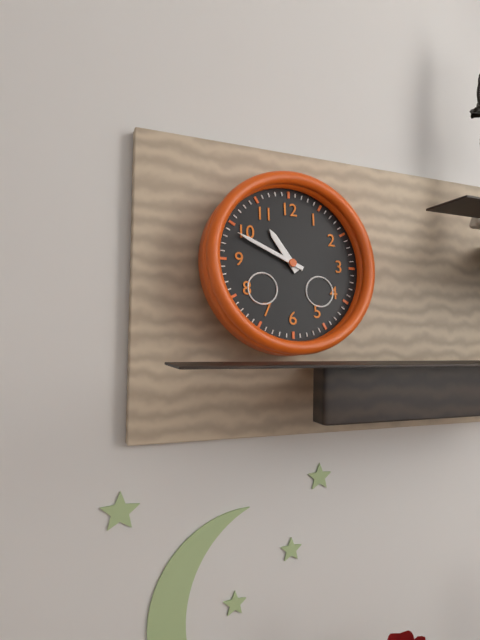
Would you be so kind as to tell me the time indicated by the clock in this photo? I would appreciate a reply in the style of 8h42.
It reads 10h49
